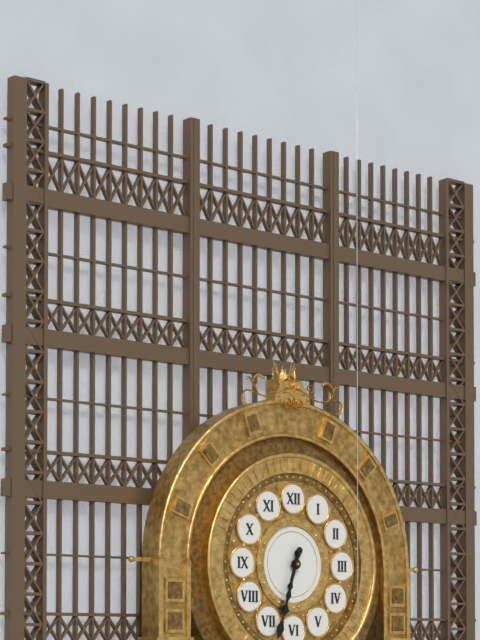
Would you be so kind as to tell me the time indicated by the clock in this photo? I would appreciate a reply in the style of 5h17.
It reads 6h33
